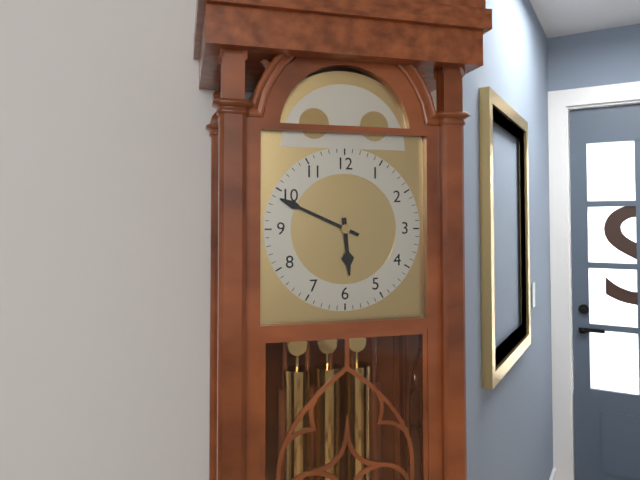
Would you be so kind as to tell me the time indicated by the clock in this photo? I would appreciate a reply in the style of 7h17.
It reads 5h49
